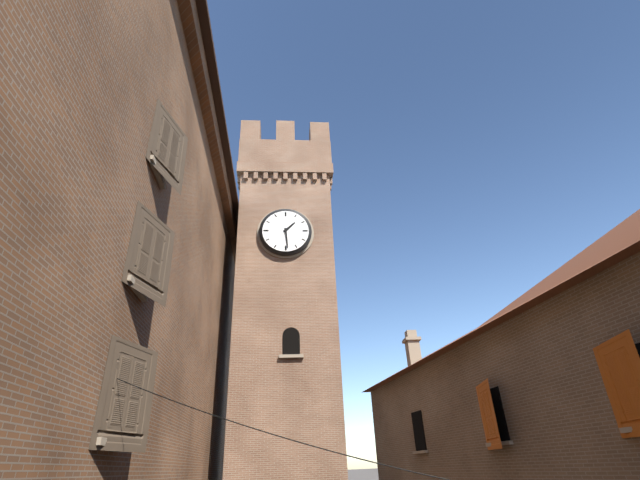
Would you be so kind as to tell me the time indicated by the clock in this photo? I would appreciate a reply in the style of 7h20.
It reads 1h29
